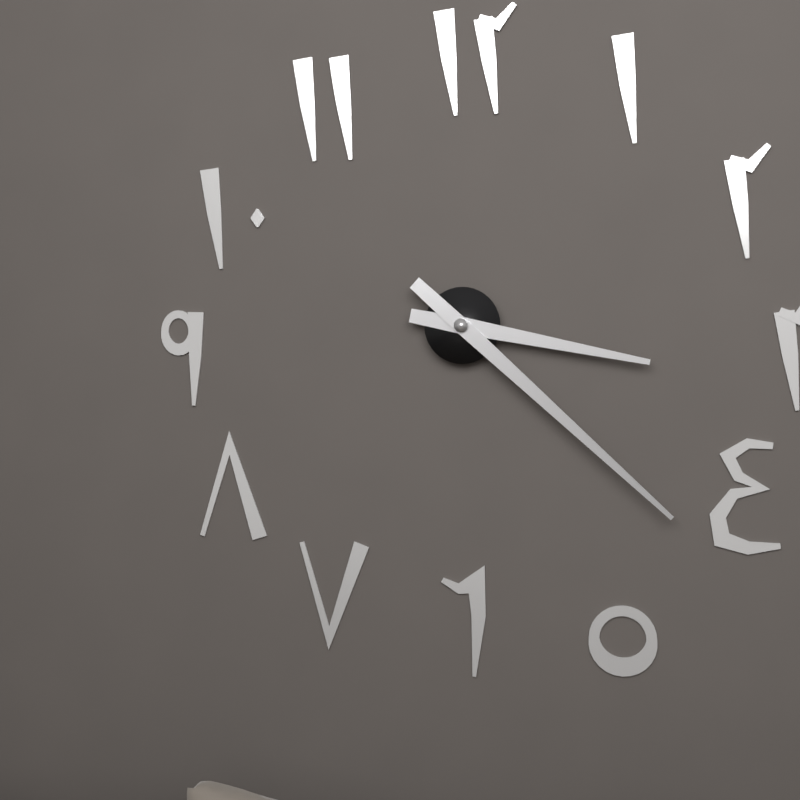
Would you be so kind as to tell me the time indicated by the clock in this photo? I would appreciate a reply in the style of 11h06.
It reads 3h22
